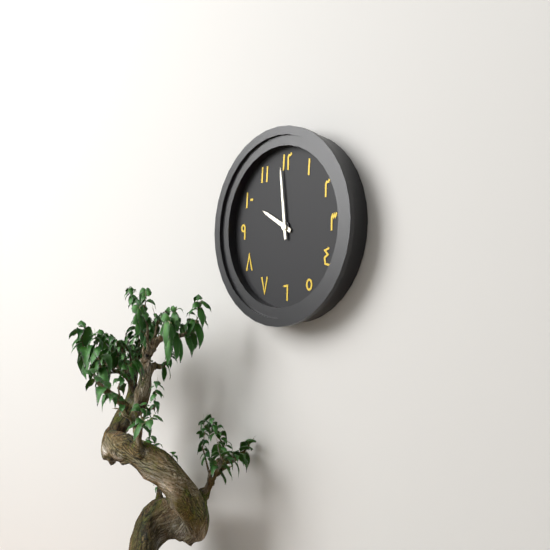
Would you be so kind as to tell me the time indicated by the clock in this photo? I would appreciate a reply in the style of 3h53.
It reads 9h59
